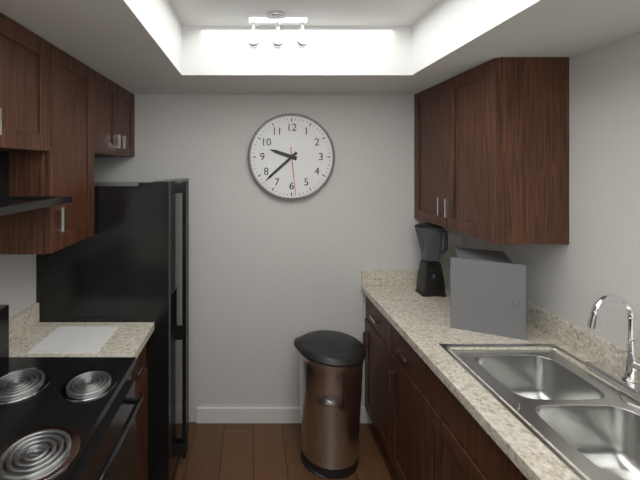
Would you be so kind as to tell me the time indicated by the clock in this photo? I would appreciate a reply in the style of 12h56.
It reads 9h38
